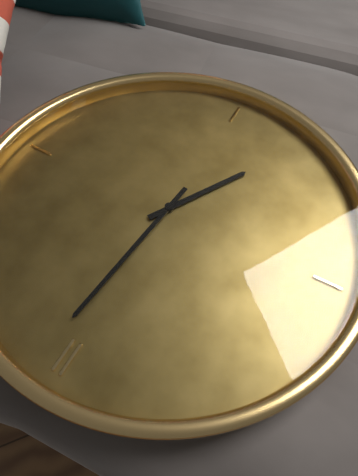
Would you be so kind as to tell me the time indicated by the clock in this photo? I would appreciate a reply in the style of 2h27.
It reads 7h01
